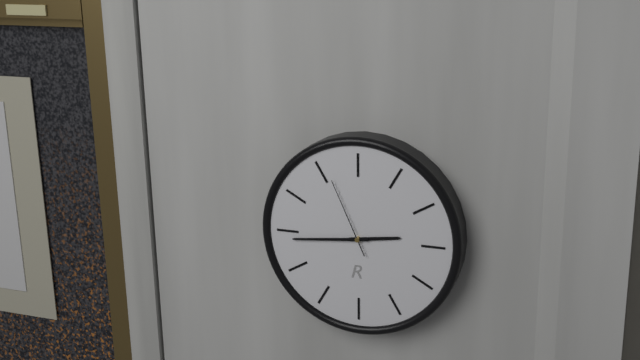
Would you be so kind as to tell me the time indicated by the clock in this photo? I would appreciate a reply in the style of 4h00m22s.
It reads 2h44m56s
